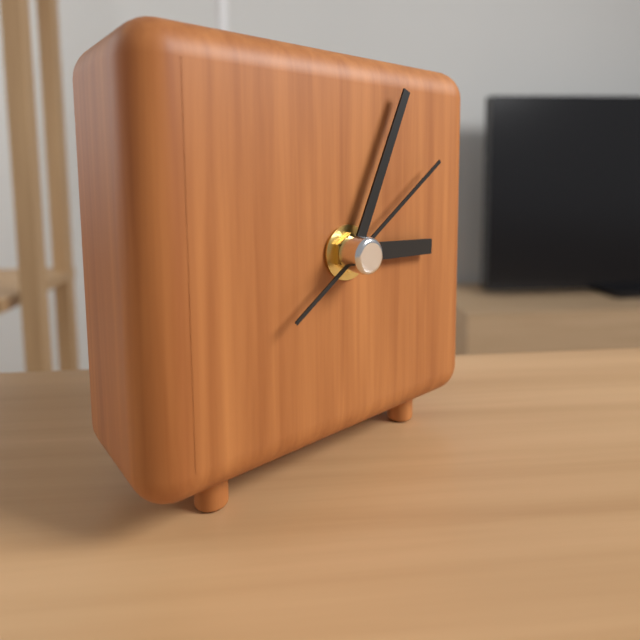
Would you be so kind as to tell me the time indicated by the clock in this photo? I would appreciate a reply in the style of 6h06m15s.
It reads 3h04m09s
